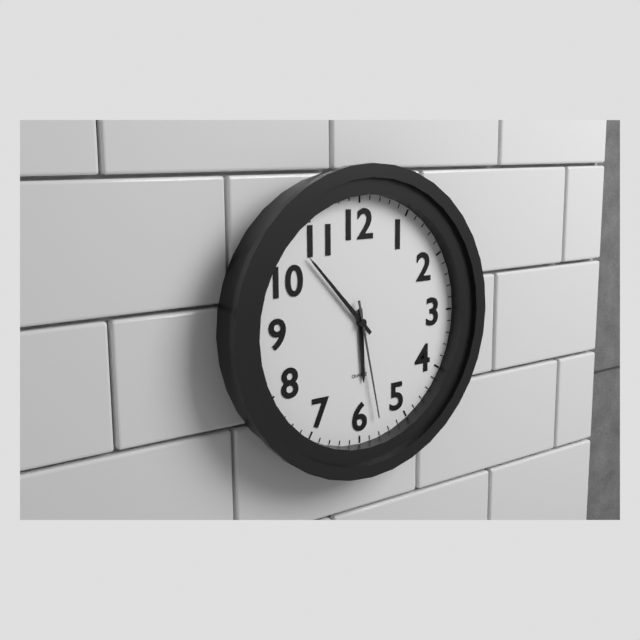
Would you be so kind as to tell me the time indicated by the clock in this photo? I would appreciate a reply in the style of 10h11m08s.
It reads 5h53m28s
